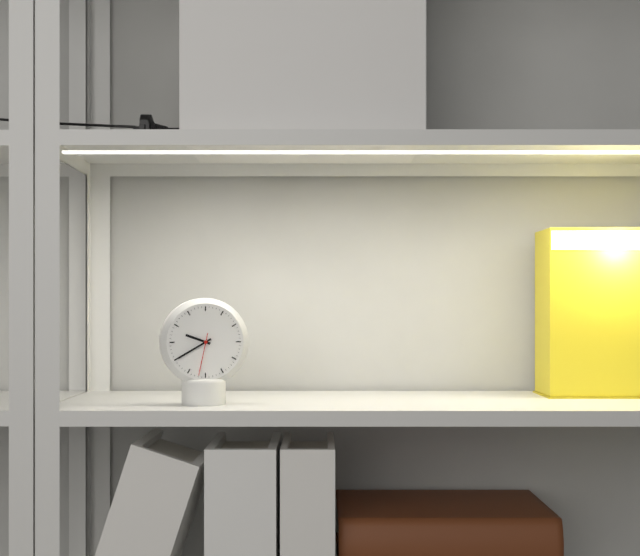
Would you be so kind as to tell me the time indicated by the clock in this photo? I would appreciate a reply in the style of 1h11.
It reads 9h40
